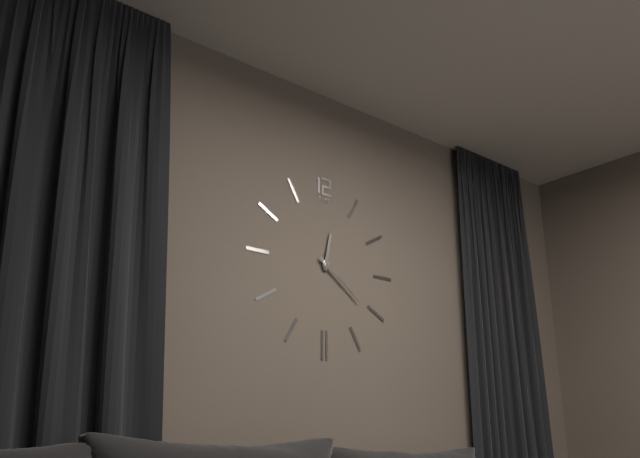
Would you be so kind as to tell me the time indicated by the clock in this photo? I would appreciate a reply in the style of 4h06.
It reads 12h21
